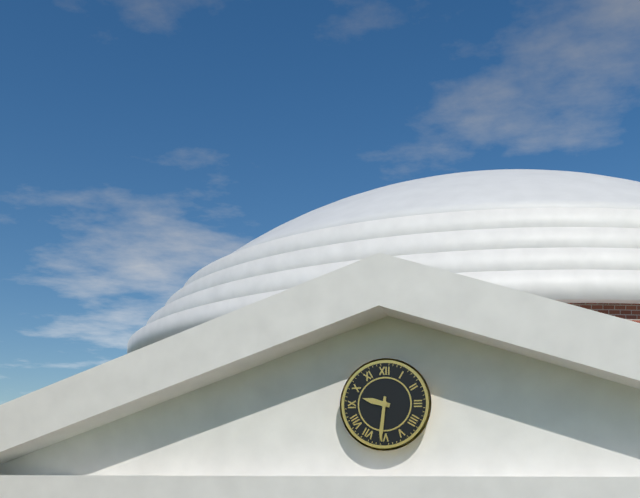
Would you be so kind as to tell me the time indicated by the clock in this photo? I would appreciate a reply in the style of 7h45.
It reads 9h31
